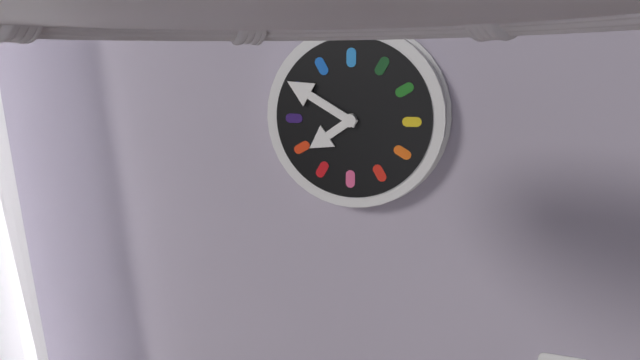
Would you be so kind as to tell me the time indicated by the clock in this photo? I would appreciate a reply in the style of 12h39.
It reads 7h50
